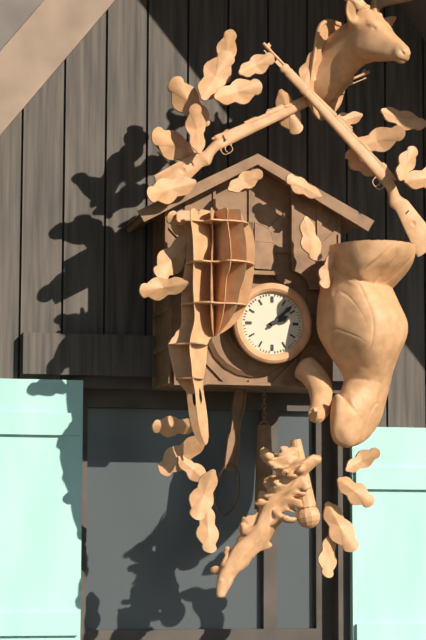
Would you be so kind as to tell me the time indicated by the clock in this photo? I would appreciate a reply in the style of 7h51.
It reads 2h08
